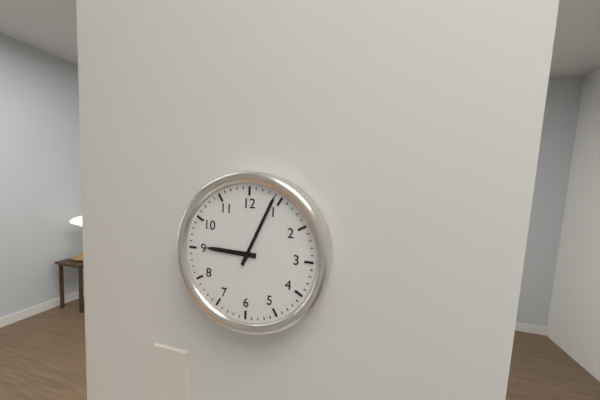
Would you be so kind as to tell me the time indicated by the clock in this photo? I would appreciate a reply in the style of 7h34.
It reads 9h04
